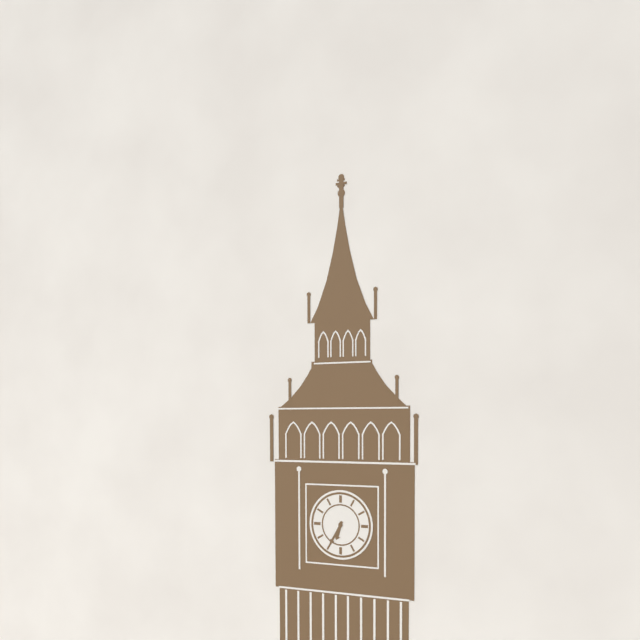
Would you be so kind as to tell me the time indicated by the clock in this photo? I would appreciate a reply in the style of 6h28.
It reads 6h35
